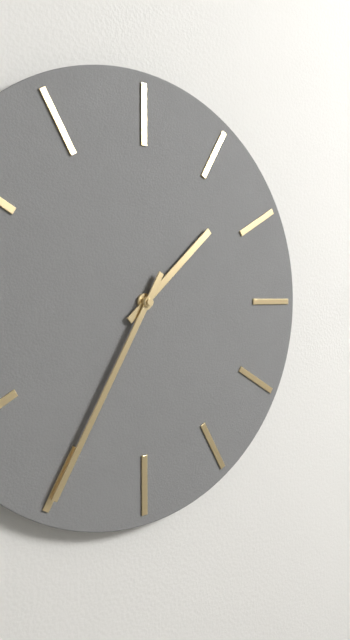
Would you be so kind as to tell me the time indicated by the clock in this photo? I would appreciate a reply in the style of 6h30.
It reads 1h35
